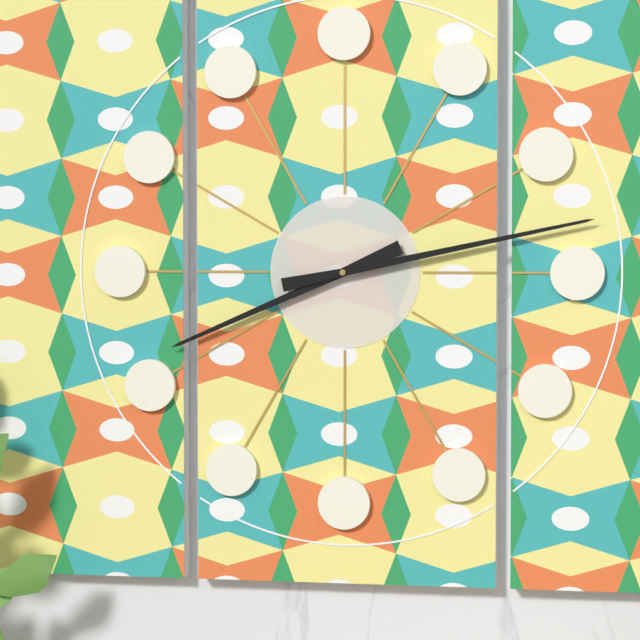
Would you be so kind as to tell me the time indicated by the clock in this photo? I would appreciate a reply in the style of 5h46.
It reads 8h13
